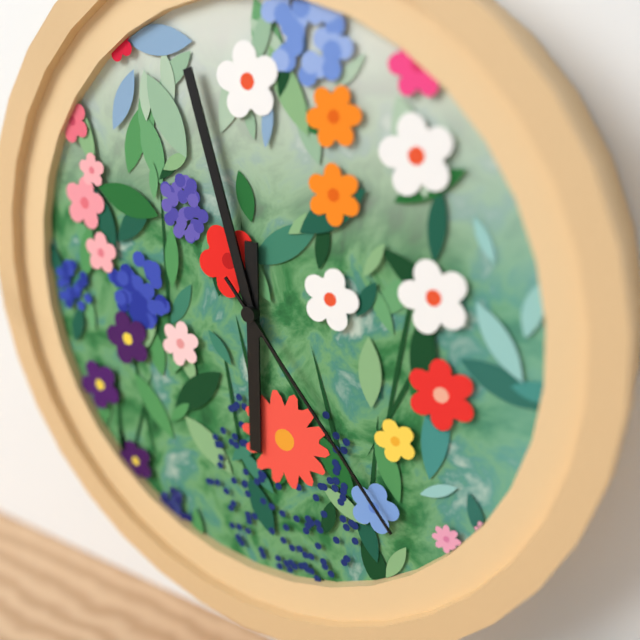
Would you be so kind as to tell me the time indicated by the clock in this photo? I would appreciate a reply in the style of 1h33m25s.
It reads 5h57m23s
